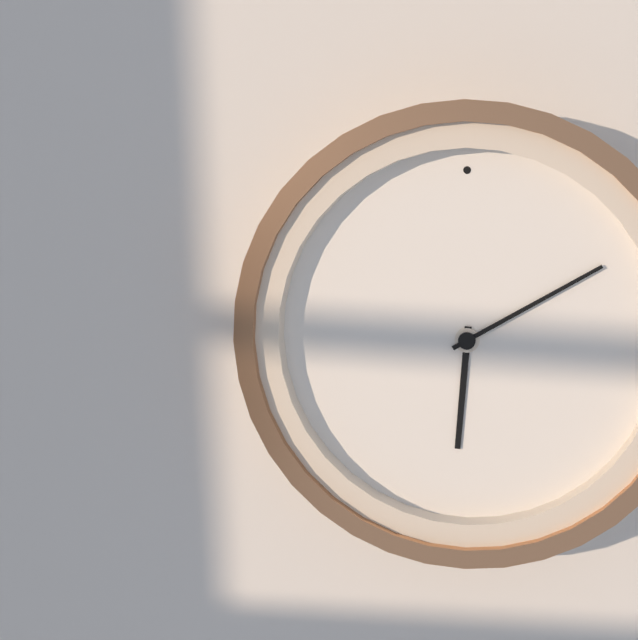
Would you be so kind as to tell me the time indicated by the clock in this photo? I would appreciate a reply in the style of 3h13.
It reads 6h10
